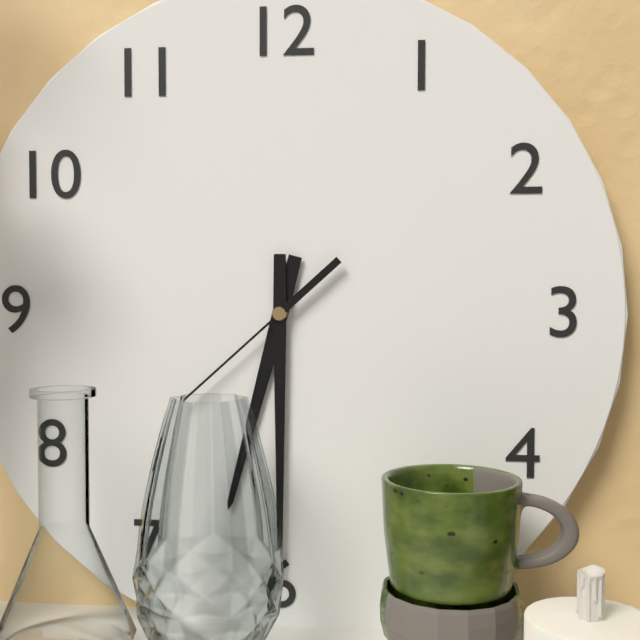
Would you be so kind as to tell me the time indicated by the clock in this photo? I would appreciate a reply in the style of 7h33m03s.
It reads 6h30m38s
